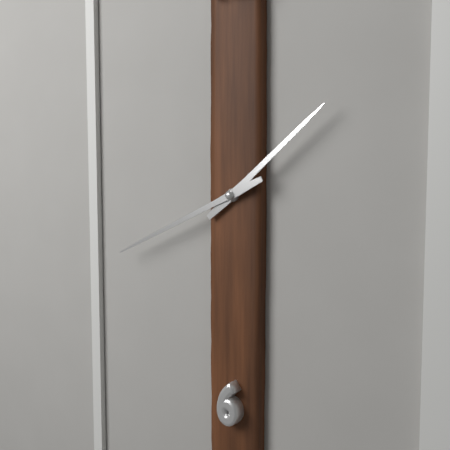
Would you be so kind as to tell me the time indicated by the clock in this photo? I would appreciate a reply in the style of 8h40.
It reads 1h41
